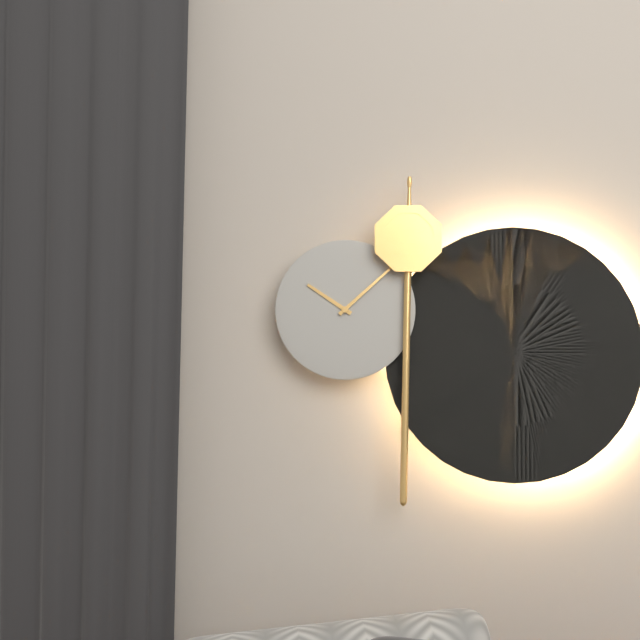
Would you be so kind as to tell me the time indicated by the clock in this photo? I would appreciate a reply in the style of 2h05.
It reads 10h08
